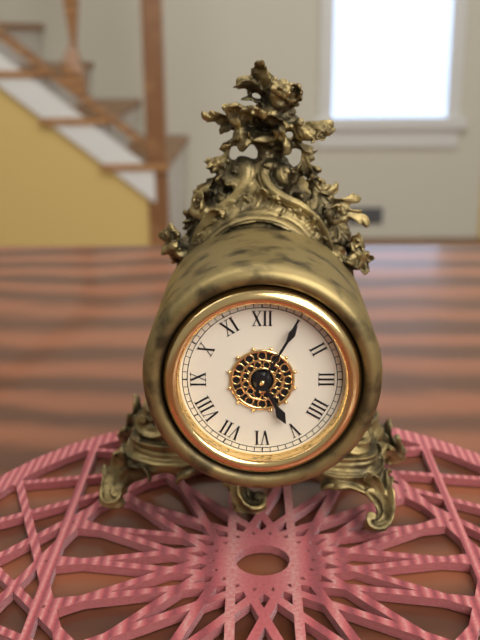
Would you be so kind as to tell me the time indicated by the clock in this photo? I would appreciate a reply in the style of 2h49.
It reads 5h05
